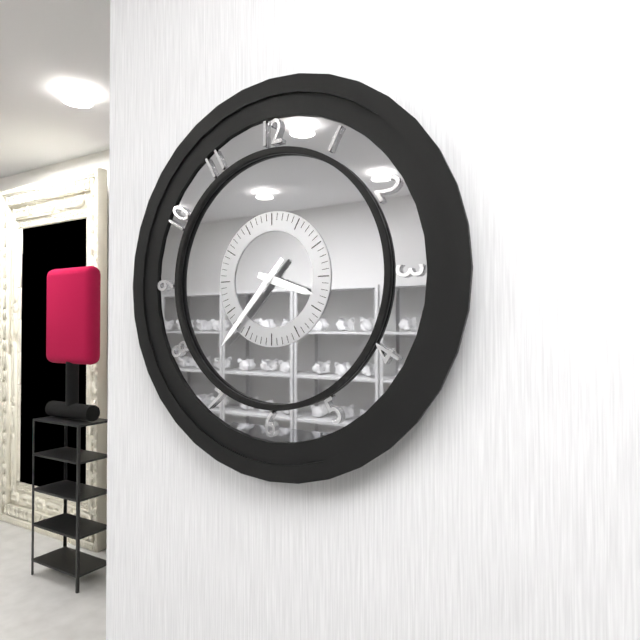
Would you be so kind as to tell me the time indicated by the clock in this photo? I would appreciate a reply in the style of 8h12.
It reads 3h37
